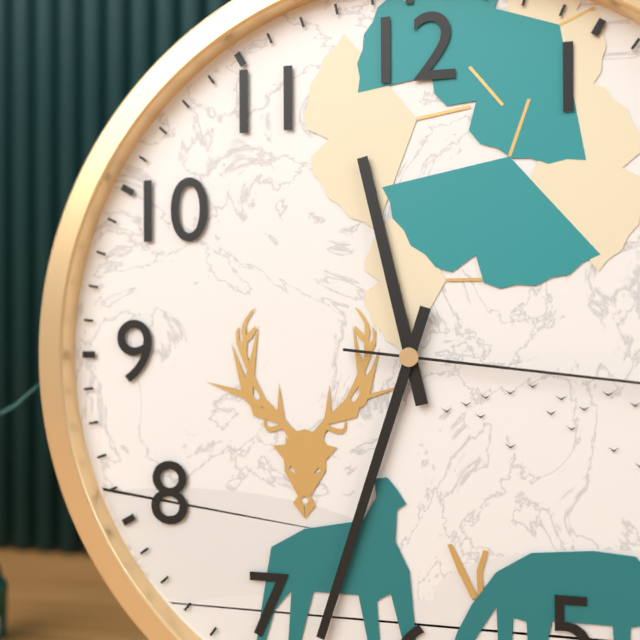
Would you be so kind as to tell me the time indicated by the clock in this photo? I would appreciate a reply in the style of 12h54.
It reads 11h33
